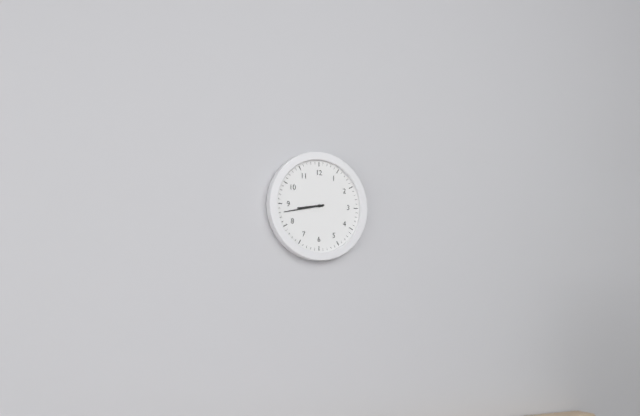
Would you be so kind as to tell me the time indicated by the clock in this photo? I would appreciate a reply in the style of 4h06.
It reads 8h43
